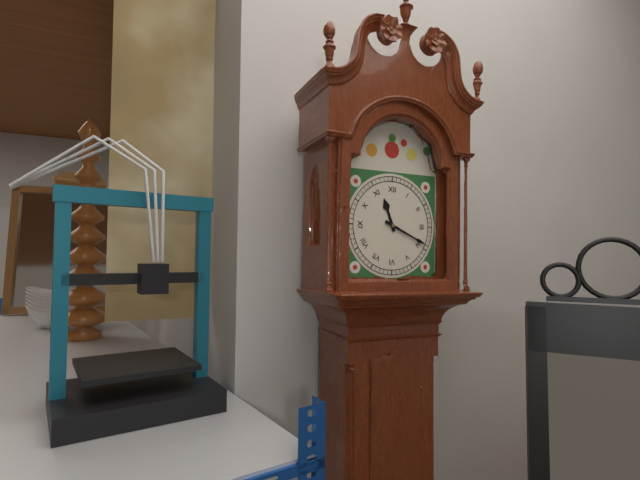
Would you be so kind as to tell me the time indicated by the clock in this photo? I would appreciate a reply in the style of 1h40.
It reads 11h19
